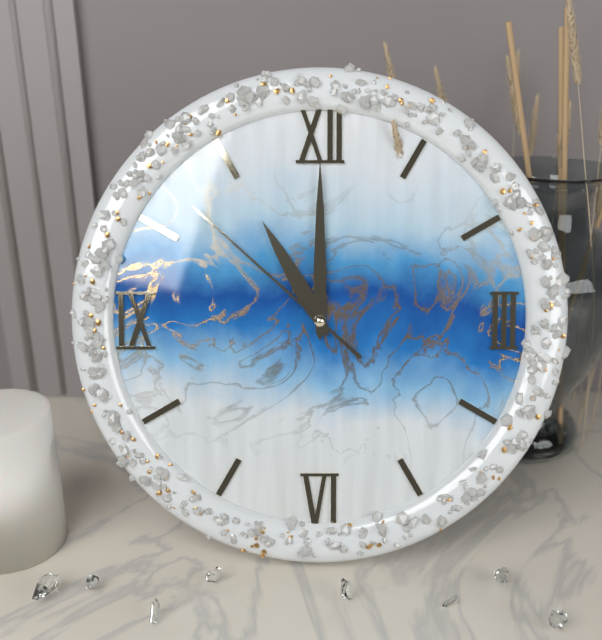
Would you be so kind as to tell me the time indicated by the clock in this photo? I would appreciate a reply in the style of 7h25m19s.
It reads 11h00m52s
